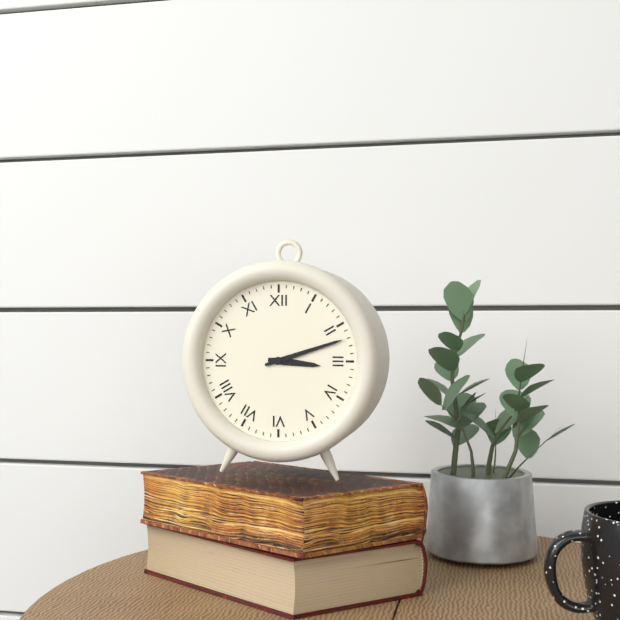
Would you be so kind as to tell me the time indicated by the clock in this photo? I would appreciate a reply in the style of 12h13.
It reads 3h12
